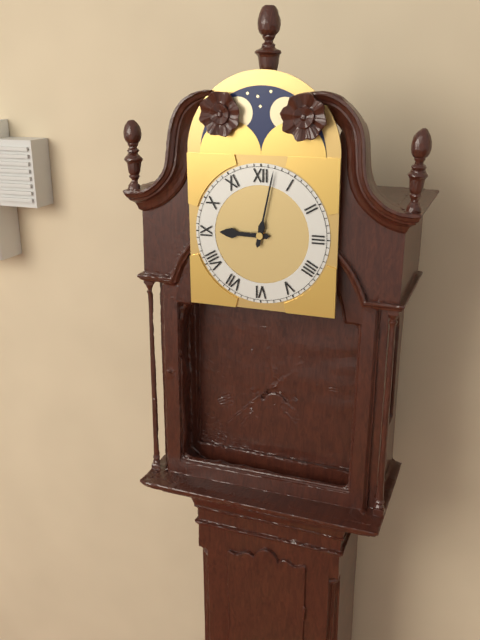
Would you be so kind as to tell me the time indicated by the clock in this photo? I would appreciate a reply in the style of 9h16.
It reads 9h02
